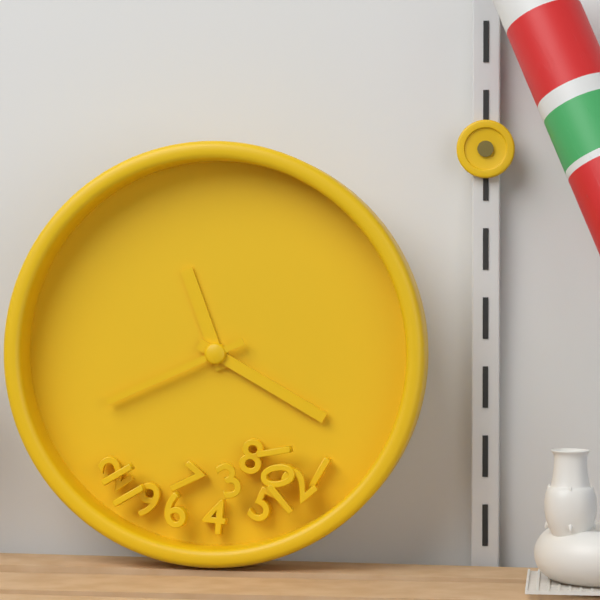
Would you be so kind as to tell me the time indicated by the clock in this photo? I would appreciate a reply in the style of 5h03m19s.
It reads 11h20m41s
